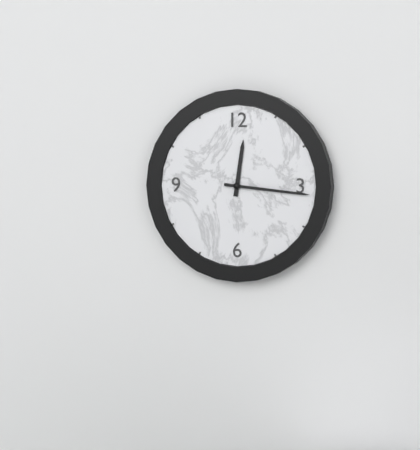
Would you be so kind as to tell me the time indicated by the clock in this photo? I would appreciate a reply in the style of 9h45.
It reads 12h16
